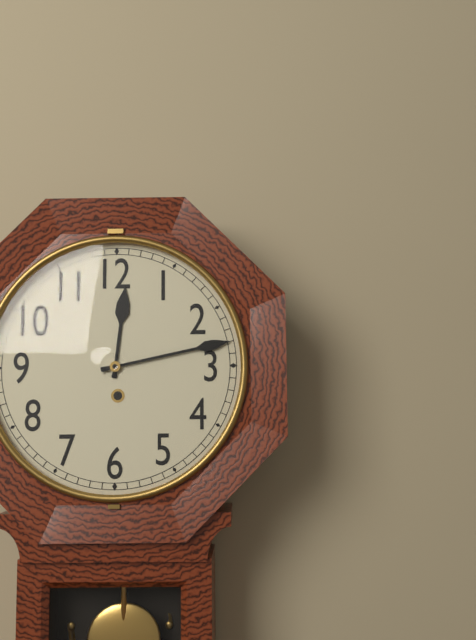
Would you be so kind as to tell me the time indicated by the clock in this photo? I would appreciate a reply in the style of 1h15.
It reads 12h13
